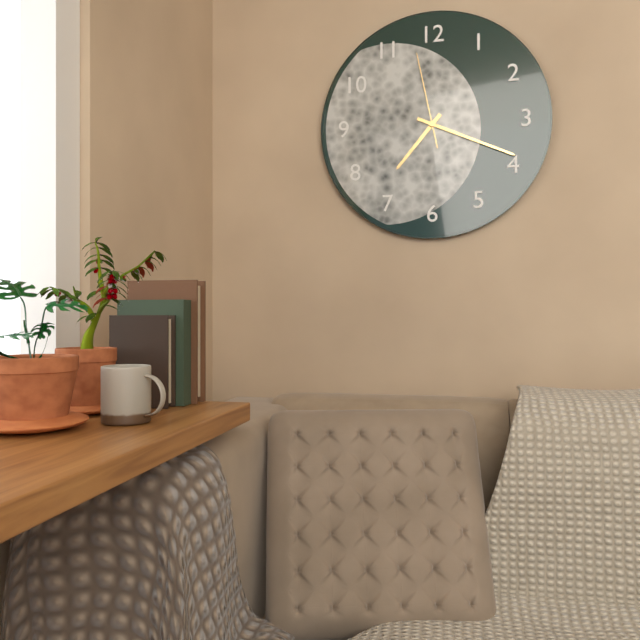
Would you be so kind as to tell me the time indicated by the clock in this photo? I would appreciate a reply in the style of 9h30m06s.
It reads 7h19m58s
